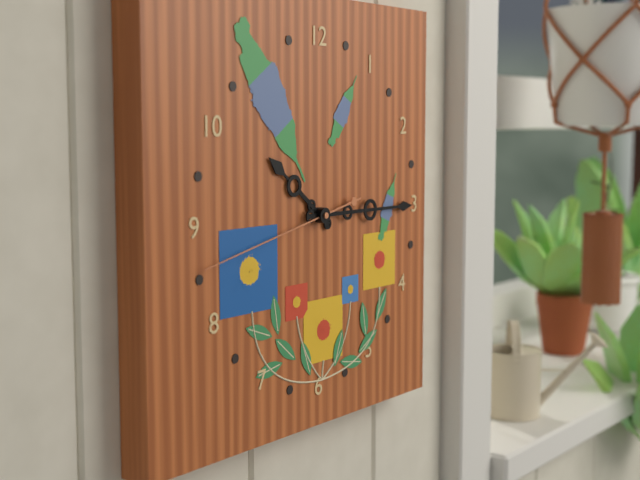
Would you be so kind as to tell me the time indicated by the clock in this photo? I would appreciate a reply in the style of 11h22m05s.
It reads 10h15m43s
